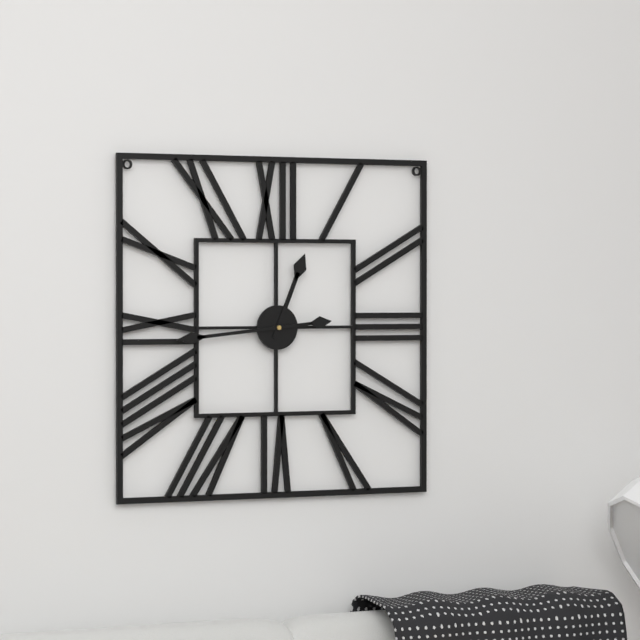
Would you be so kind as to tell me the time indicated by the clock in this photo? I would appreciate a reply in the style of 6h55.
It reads 12h44
